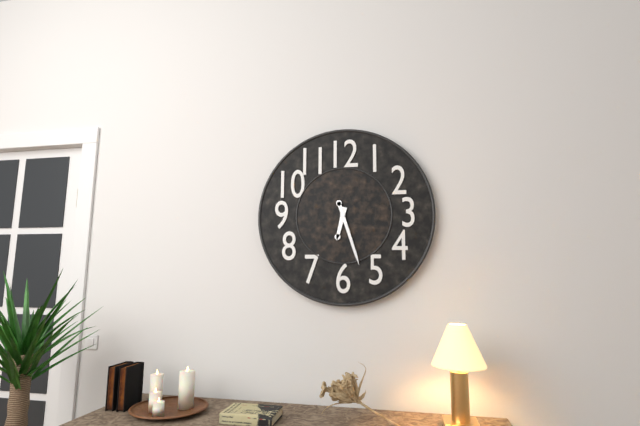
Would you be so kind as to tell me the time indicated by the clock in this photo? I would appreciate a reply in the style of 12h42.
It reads 6h27
